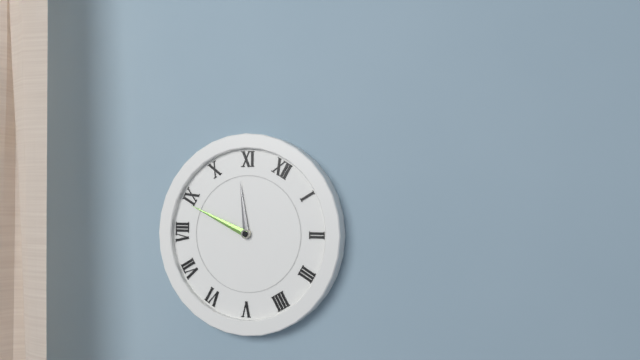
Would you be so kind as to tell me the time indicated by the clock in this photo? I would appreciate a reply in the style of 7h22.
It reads 10h44
